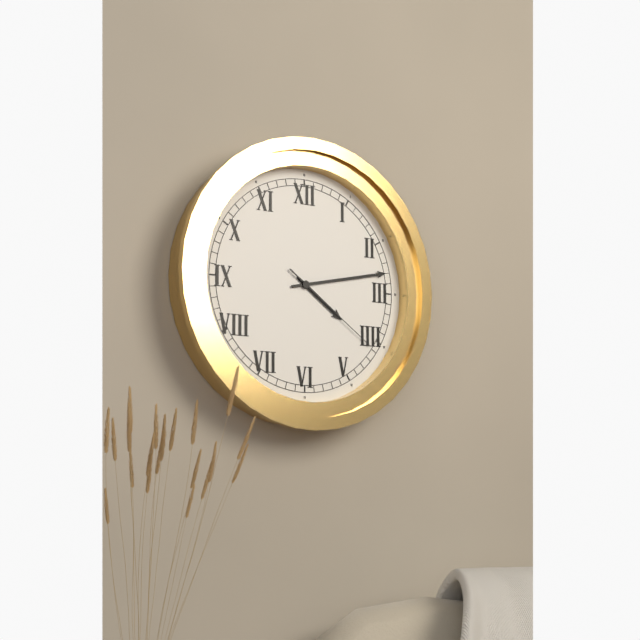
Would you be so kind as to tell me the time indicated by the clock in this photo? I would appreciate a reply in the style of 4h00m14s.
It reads 4h13m21s
